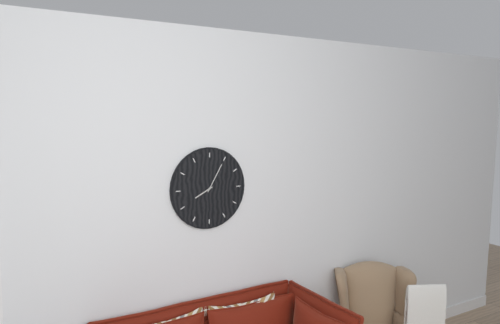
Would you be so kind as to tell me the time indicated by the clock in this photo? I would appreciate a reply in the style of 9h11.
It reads 8h05
